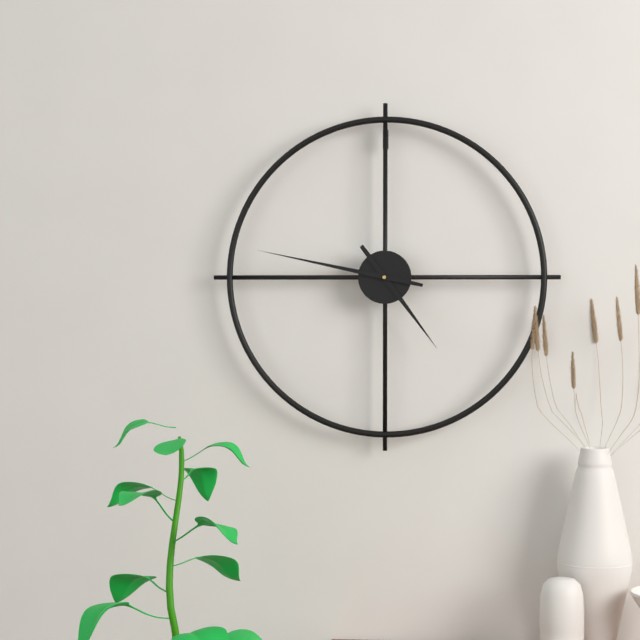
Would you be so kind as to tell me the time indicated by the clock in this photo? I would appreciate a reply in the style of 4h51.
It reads 4h47
